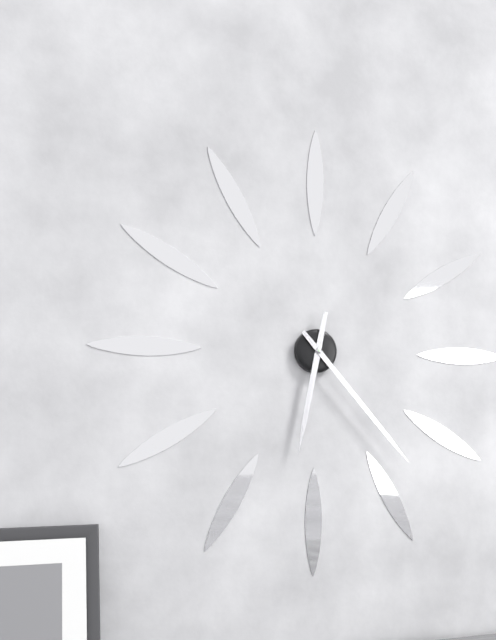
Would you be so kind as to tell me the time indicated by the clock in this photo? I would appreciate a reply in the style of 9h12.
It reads 6h23
